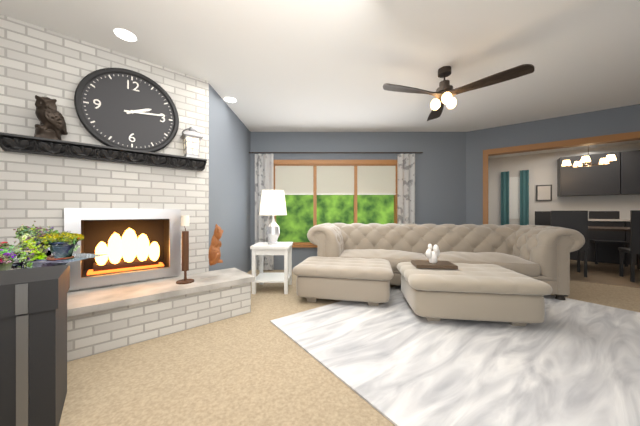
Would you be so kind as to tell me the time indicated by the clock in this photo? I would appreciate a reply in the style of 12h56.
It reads 2h14
